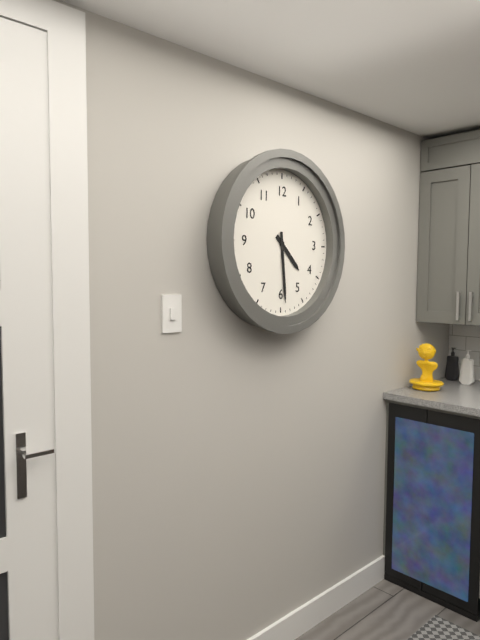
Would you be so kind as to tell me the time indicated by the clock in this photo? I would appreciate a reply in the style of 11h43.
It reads 4h29
